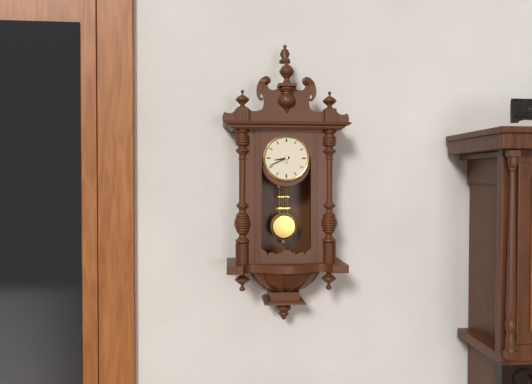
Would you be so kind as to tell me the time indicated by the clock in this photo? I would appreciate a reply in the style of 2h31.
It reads 8h41
